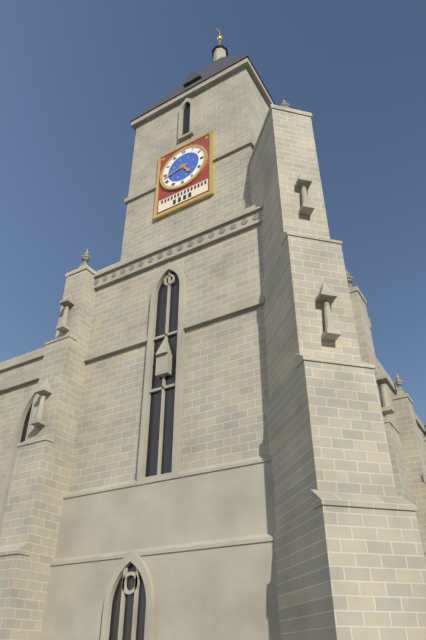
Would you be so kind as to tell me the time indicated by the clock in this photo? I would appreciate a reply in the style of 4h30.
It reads 4h43
